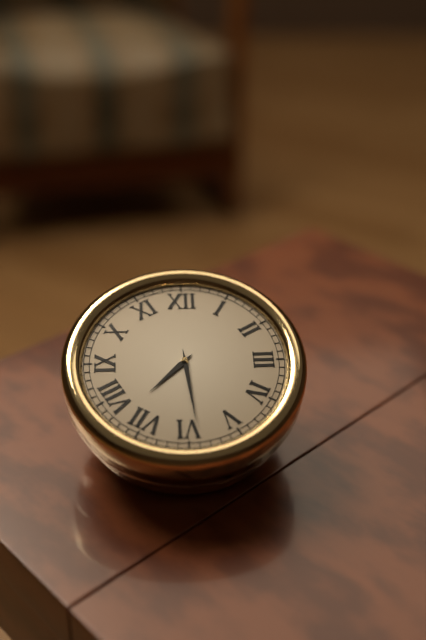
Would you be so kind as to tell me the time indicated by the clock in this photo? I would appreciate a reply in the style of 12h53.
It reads 7h29
